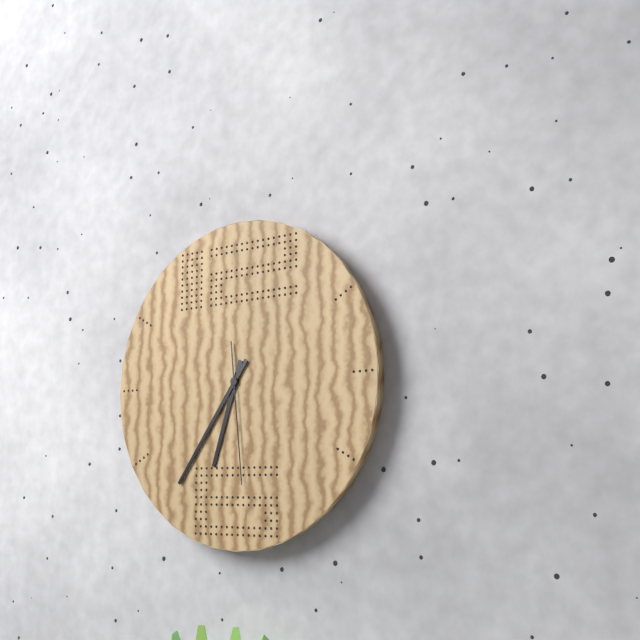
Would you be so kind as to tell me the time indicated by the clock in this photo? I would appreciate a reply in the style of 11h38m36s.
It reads 6h36m29s
